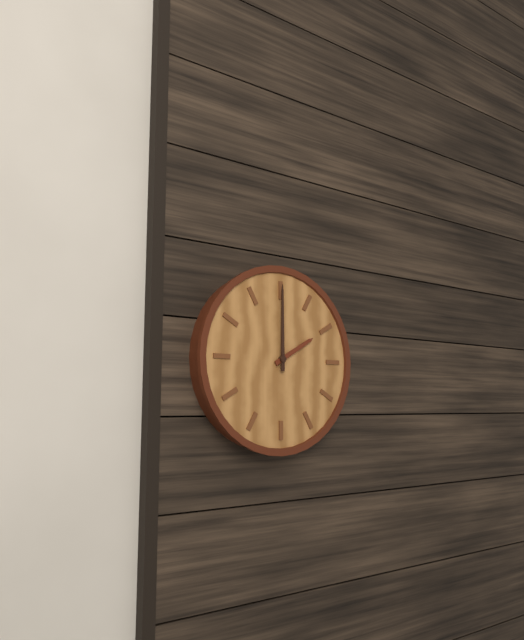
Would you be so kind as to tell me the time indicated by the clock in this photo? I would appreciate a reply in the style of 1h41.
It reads 2h00
